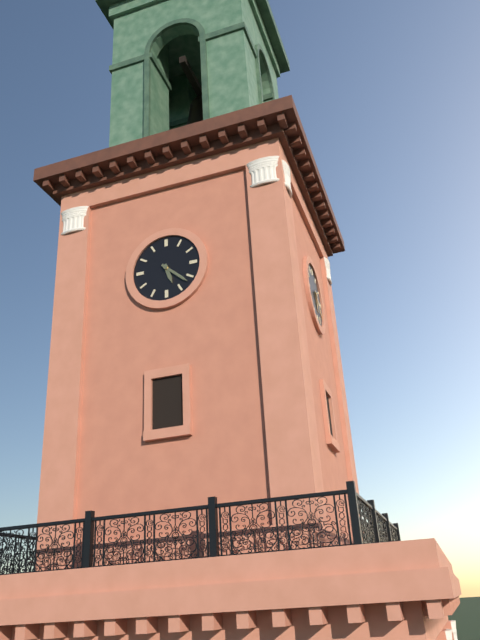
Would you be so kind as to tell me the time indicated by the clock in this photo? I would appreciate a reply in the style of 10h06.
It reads 5h22
